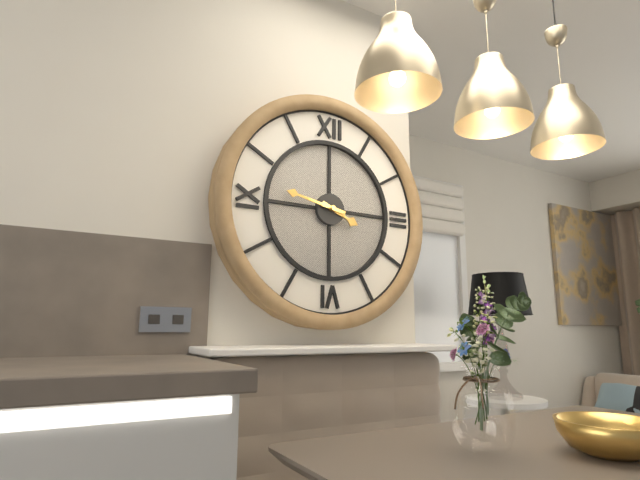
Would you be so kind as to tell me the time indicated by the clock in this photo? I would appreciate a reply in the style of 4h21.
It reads 3h47
